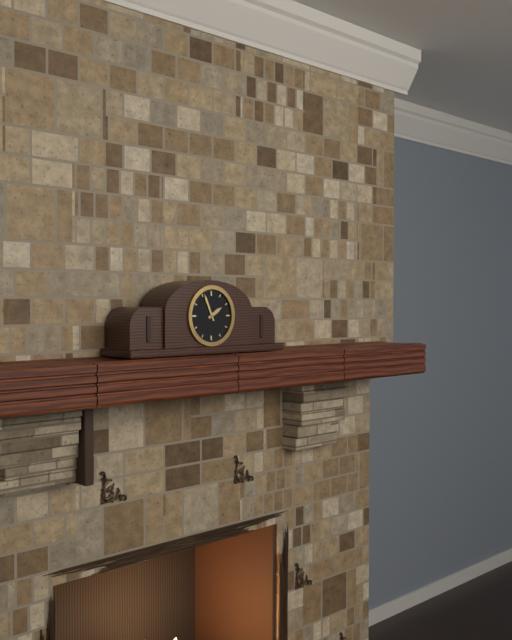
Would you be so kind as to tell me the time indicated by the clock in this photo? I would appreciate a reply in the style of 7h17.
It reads 1h56
